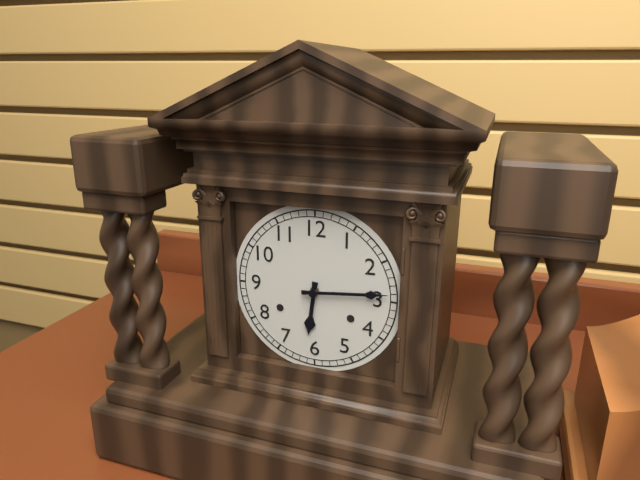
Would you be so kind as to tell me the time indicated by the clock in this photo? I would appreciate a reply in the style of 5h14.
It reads 6h14
